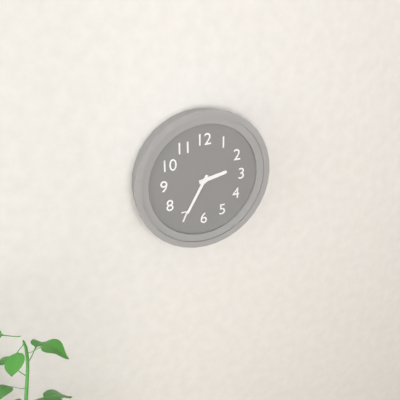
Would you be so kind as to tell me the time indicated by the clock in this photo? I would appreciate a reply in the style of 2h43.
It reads 2h35
